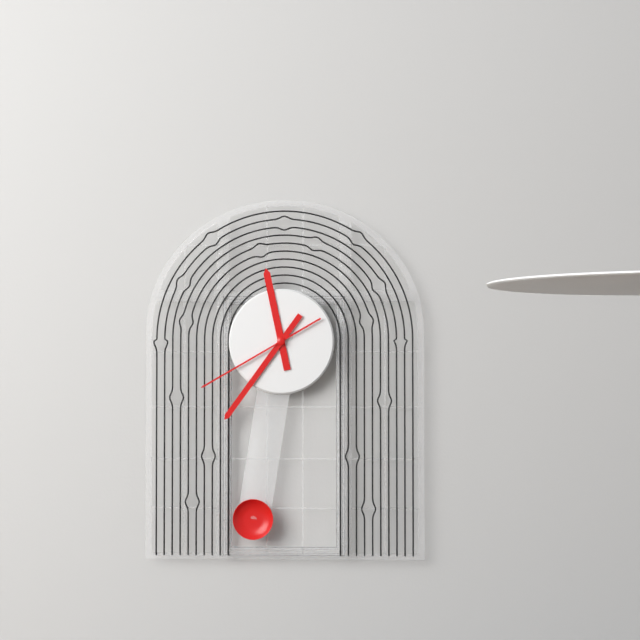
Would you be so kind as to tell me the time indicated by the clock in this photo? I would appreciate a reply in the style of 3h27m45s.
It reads 11h36m40s
